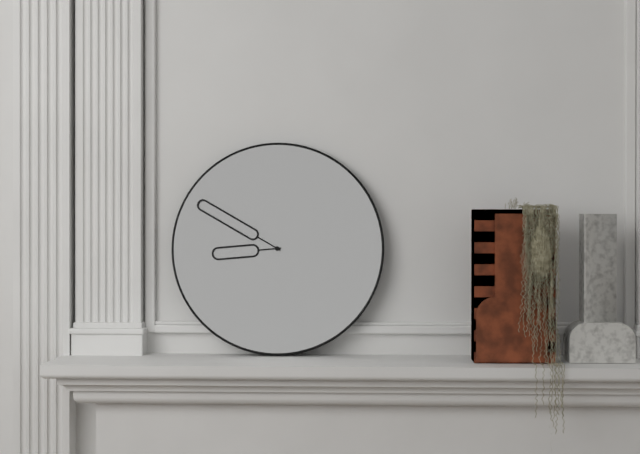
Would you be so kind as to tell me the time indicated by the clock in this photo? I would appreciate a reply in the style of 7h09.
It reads 8h50
